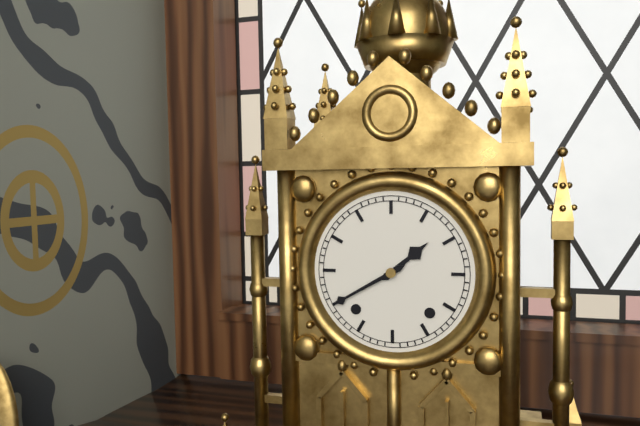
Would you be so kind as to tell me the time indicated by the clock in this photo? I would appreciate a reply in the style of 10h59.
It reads 1h40
